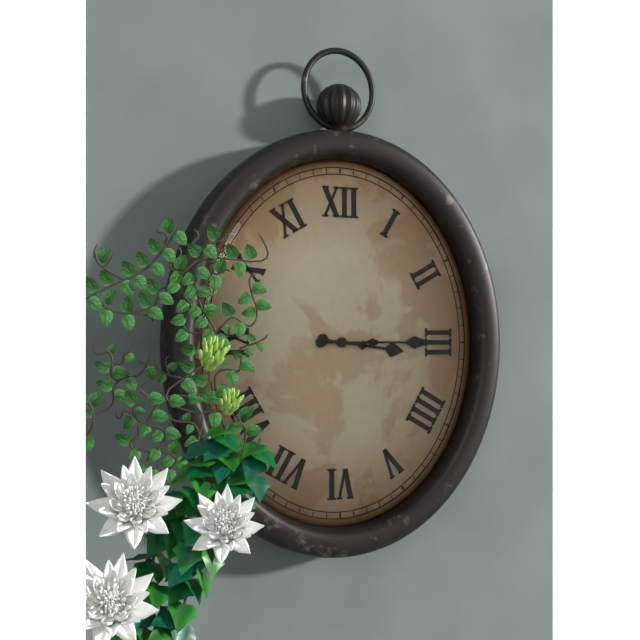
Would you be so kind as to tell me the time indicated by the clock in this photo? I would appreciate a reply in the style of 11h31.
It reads 3h15
